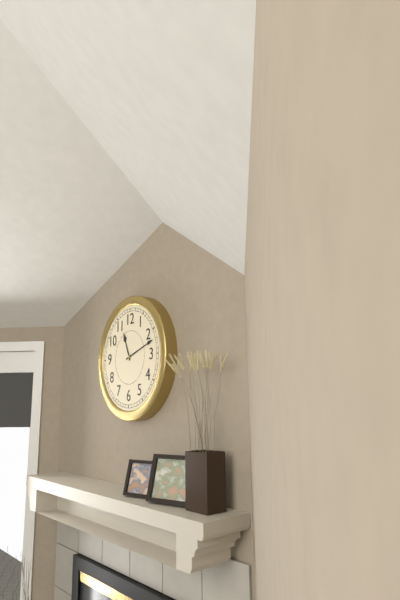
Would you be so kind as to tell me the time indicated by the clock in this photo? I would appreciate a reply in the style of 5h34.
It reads 11h12
